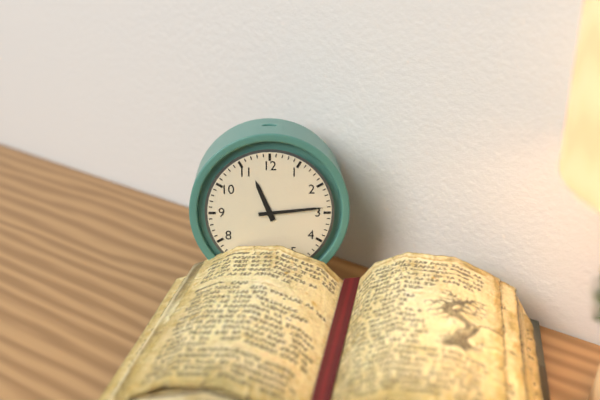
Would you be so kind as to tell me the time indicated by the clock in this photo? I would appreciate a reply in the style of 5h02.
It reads 11h14
